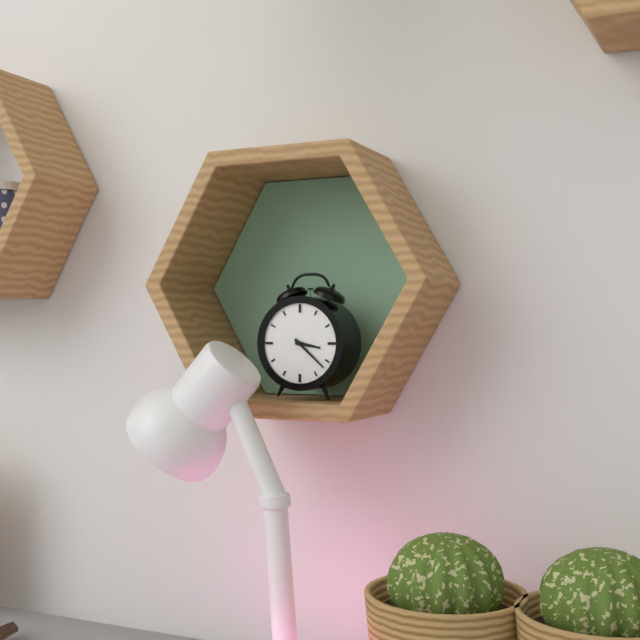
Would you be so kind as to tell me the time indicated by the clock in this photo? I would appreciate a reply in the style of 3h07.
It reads 3h22
